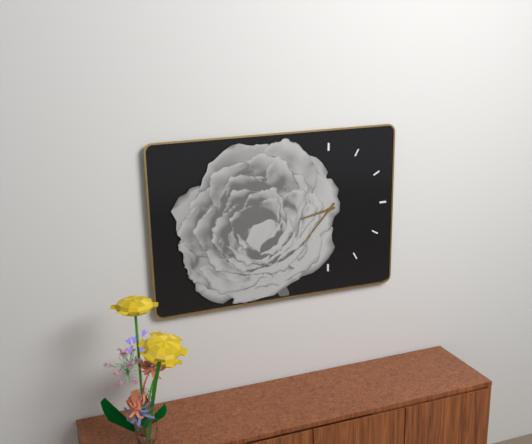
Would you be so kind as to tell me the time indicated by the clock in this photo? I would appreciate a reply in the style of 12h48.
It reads 8h37
